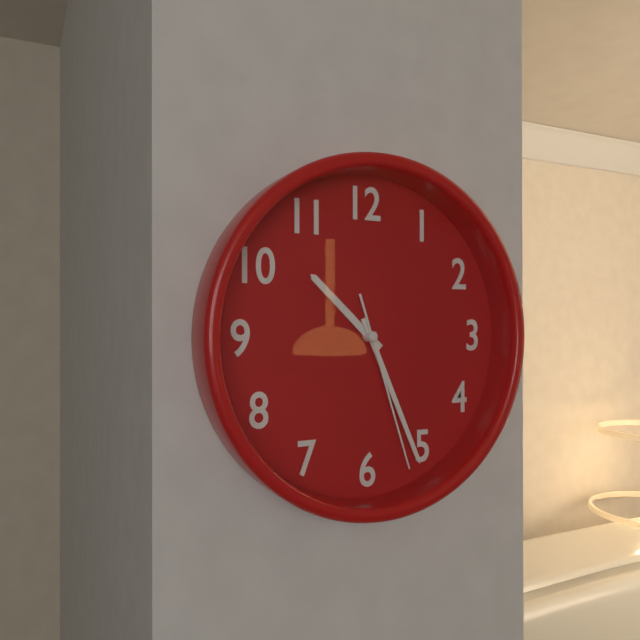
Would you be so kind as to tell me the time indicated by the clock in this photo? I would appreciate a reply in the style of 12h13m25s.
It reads 10h26m27s
